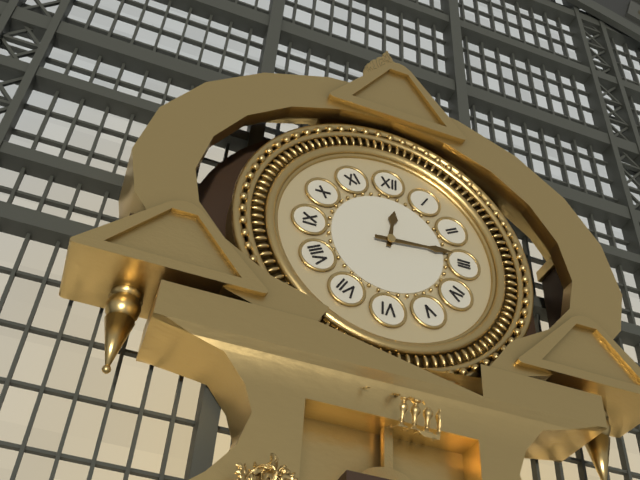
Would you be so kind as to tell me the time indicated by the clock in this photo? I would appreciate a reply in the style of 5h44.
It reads 12h14
